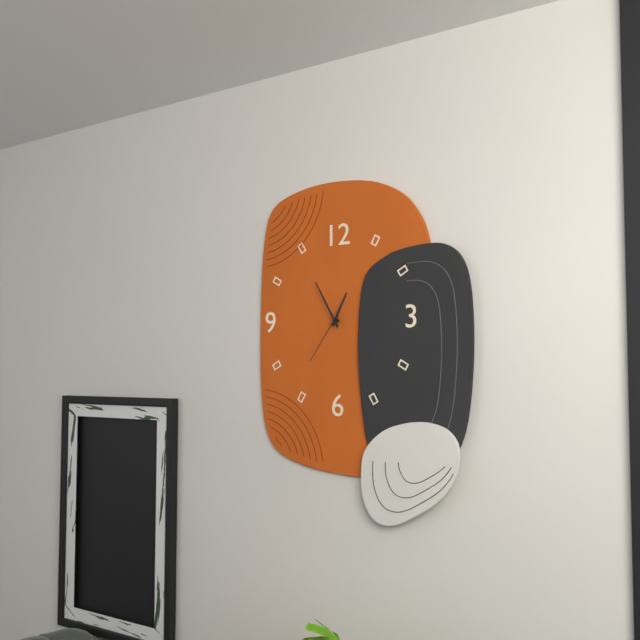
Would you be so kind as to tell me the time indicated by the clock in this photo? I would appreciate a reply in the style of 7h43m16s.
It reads 12h55m36s
